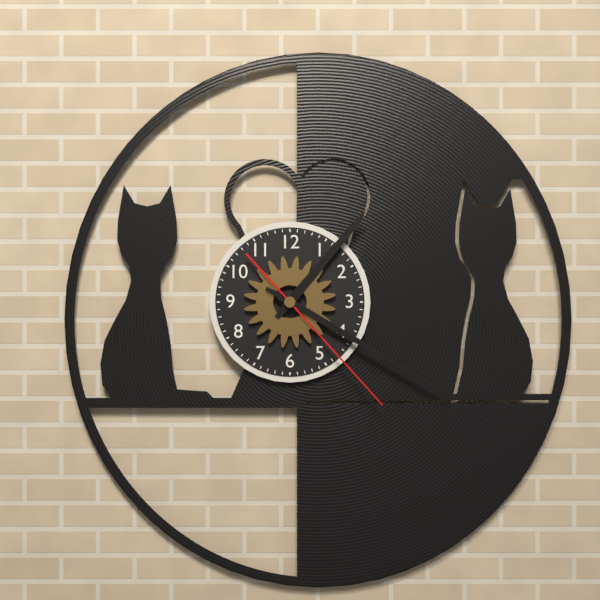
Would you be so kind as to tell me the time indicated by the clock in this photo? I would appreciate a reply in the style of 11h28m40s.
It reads 1h20m23s
